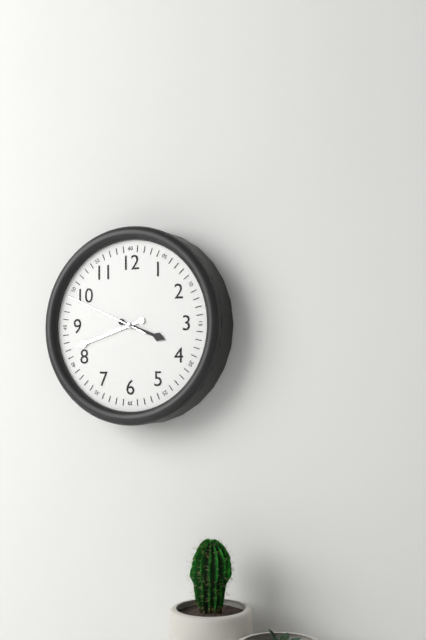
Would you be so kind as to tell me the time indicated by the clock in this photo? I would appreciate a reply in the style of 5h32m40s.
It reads 3h42m49s
